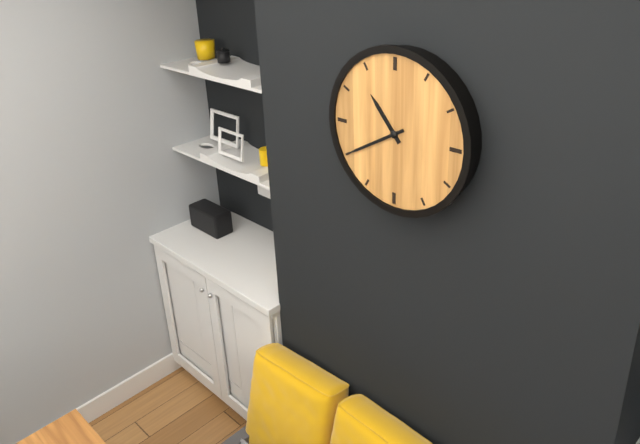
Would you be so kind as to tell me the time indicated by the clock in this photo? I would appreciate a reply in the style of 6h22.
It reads 10h40
